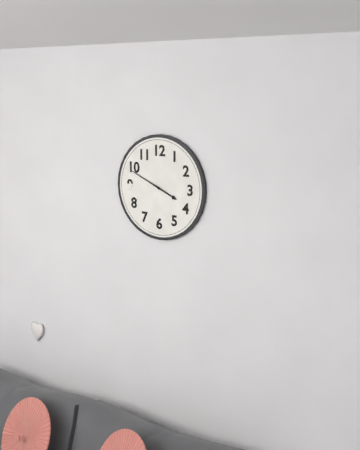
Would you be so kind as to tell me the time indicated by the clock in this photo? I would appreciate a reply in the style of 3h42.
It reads 3h49
